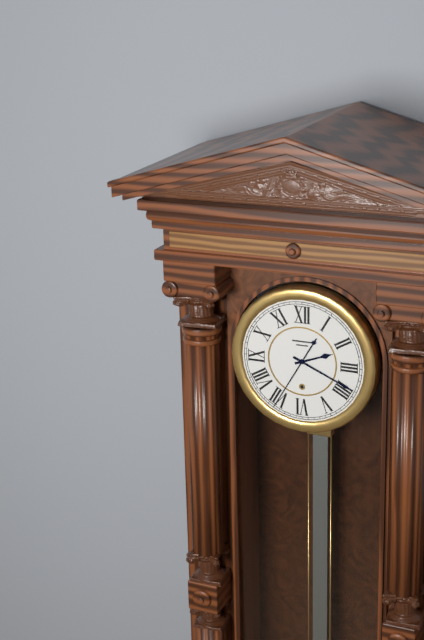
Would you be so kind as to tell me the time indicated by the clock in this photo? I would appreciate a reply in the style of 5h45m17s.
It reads 2h19m35s
